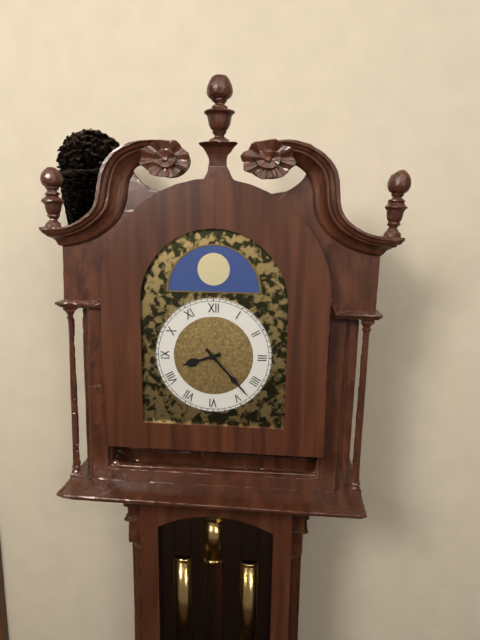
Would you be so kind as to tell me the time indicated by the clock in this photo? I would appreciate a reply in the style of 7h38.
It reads 8h23
